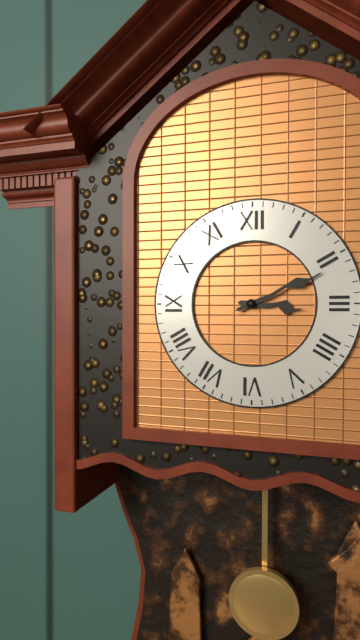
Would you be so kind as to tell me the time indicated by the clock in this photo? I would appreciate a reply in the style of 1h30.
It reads 3h11
